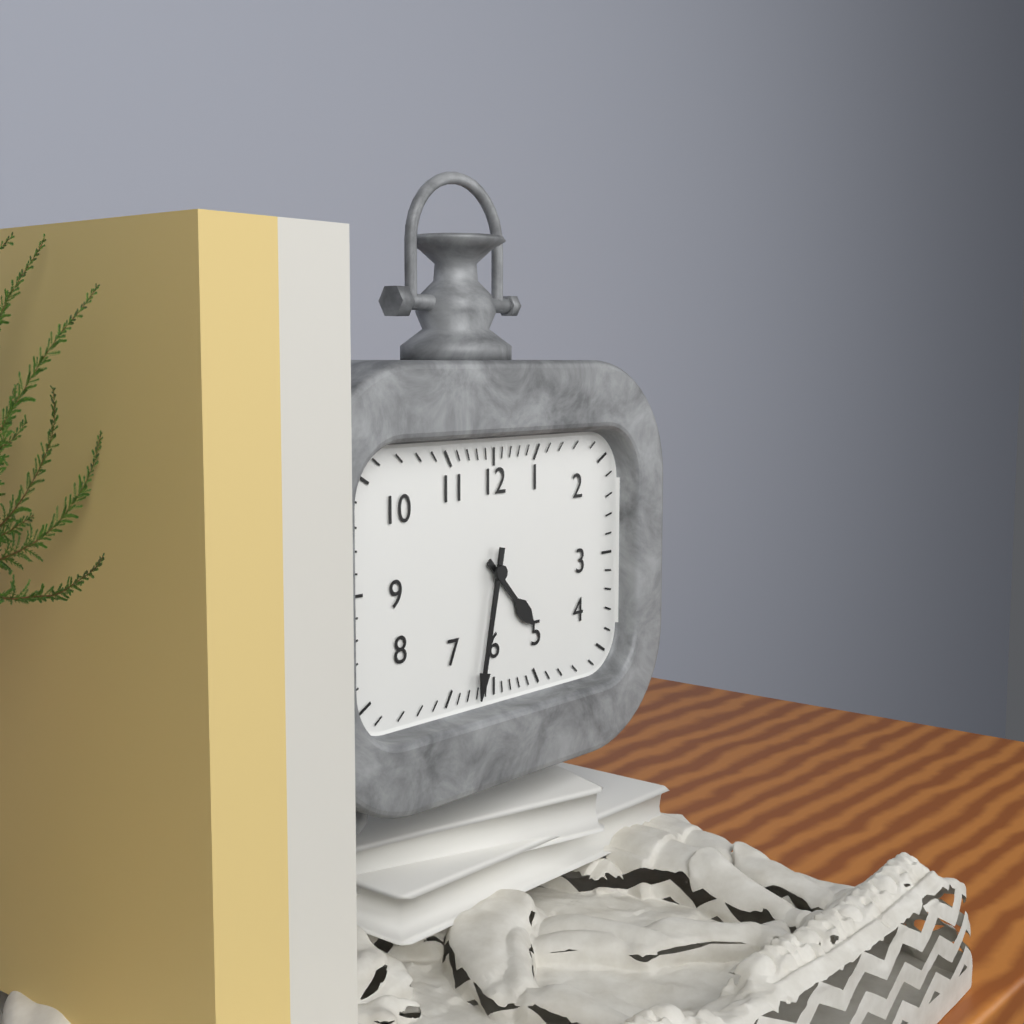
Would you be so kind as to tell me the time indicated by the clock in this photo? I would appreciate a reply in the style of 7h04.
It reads 4h32
